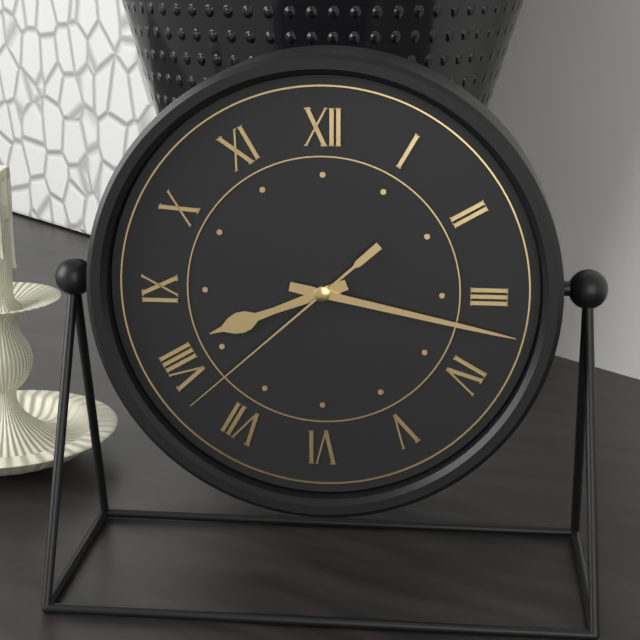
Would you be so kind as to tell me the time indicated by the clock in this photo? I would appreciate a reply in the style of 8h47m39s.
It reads 8h17m38s
